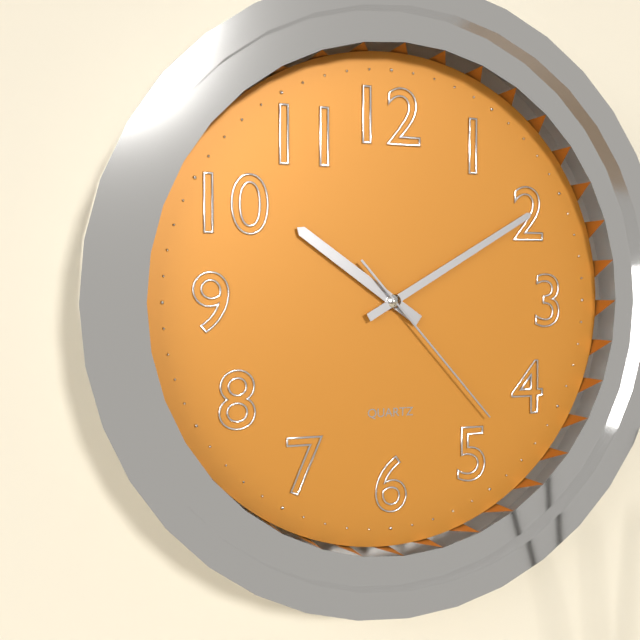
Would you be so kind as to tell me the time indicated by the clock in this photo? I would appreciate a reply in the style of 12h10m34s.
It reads 10h10m23s
